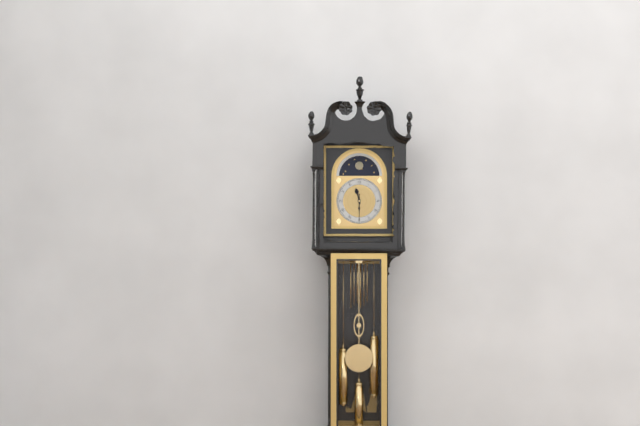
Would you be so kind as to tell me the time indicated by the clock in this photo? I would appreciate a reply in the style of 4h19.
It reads 11h30
